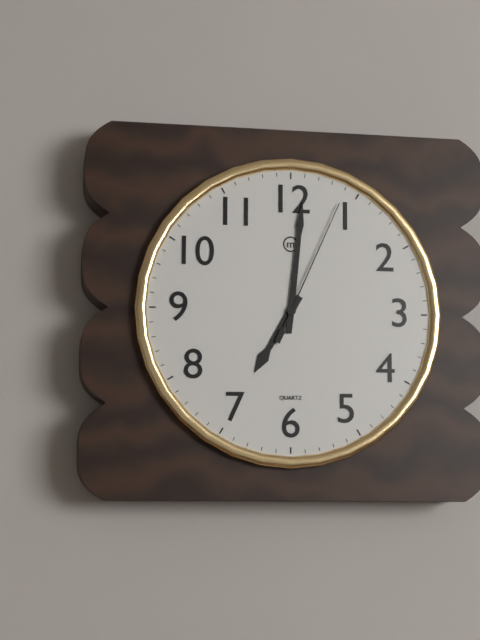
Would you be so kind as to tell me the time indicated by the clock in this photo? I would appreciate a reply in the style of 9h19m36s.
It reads 7h01m04s
